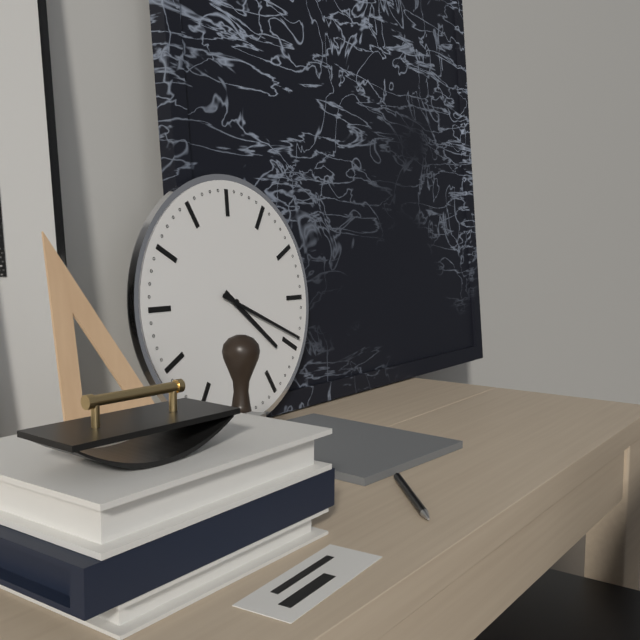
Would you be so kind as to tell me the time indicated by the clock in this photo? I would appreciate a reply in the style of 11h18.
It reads 4h19
